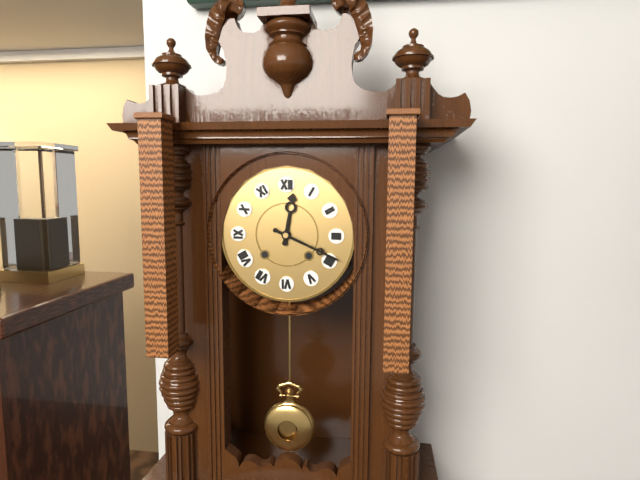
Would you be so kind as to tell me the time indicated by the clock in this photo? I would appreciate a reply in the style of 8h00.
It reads 12h19
